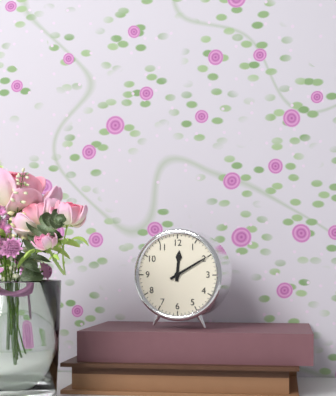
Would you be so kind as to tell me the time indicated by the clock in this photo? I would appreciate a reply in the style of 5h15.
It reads 12h10
